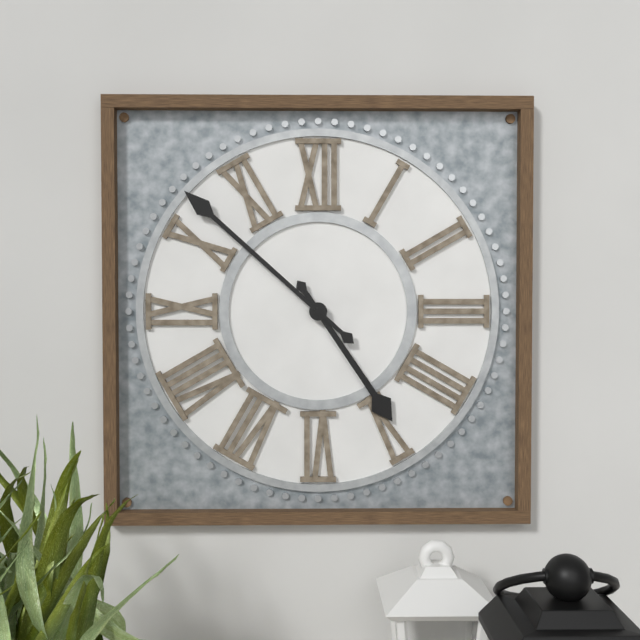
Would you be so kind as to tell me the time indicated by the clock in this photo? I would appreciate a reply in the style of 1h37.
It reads 4h52
